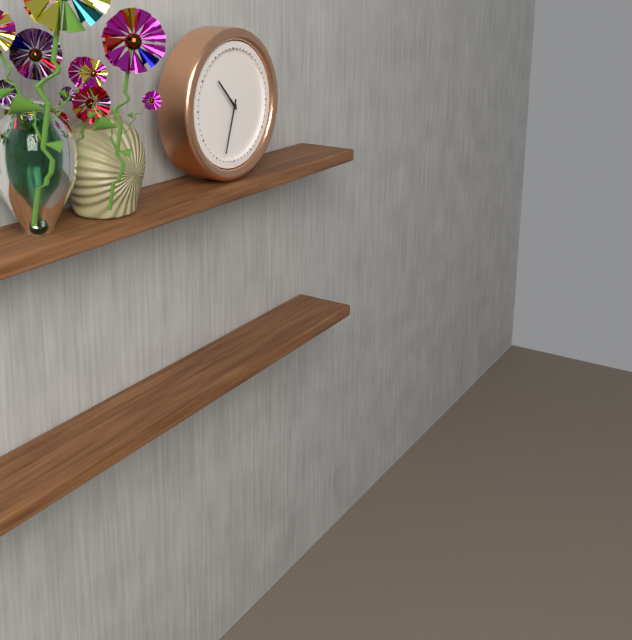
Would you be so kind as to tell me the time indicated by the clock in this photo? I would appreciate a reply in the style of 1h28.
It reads 10h33
